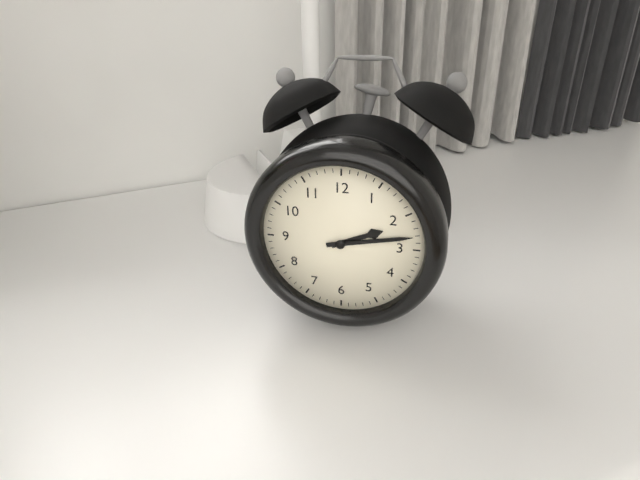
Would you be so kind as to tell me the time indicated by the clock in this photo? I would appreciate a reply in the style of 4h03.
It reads 2h13
